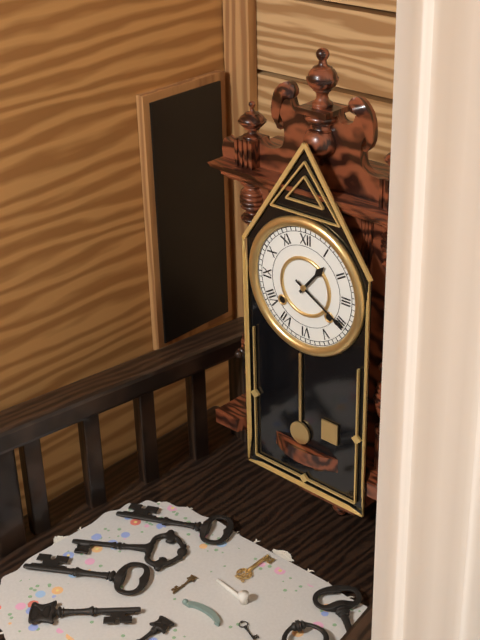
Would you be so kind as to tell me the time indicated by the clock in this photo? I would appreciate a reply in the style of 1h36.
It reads 1h20
